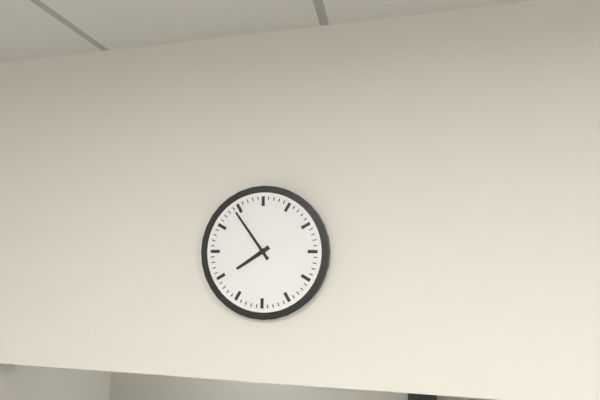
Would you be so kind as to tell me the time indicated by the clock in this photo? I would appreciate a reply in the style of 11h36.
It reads 7h54
